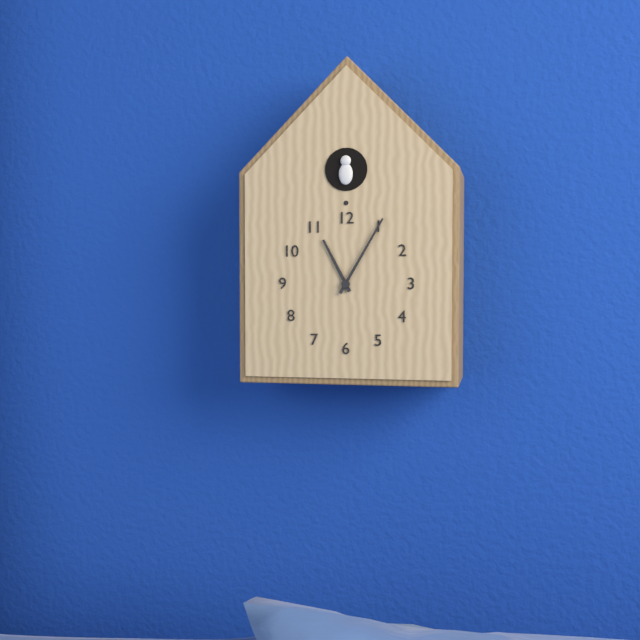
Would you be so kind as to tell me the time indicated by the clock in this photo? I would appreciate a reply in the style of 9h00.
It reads 11h05
